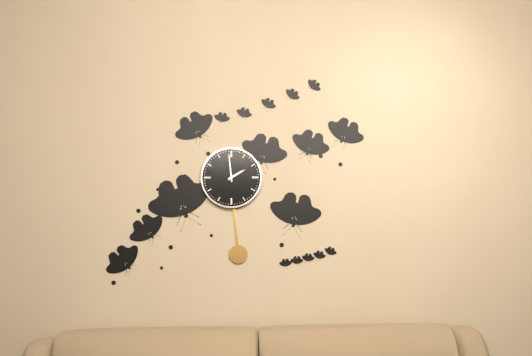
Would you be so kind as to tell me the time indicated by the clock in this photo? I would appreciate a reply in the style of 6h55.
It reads 1h59
